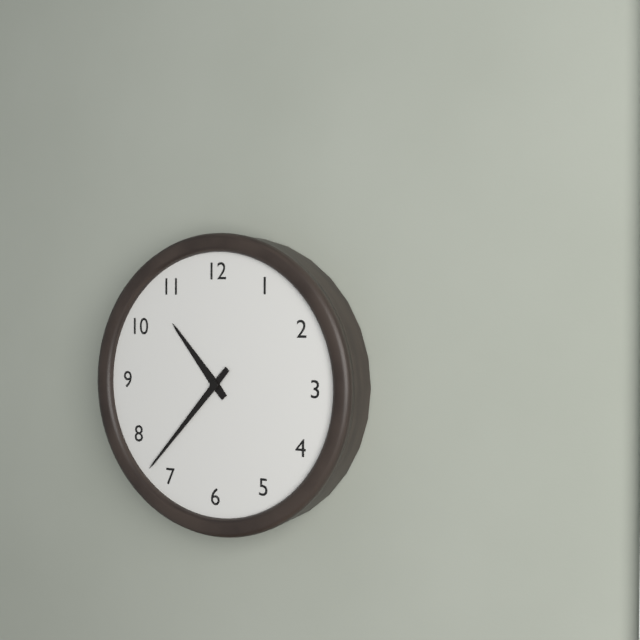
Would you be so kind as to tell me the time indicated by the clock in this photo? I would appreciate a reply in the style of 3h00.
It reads 10h37
